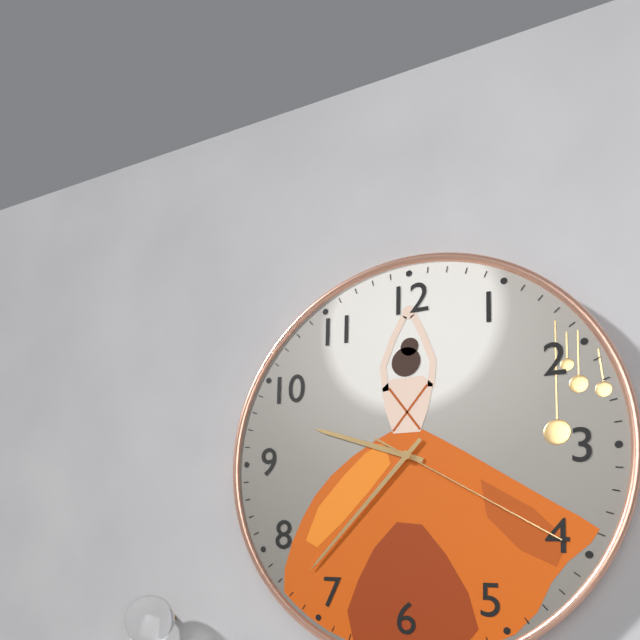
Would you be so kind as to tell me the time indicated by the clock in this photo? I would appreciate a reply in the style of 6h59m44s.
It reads 9h37m20s
